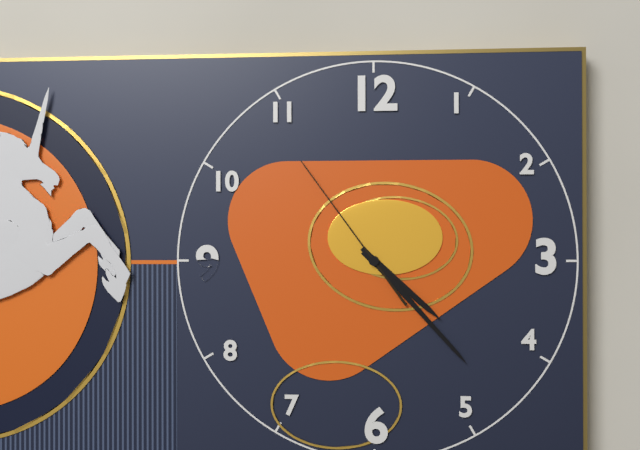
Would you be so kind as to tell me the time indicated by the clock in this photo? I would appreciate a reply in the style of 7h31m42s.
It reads 4h23m54s
